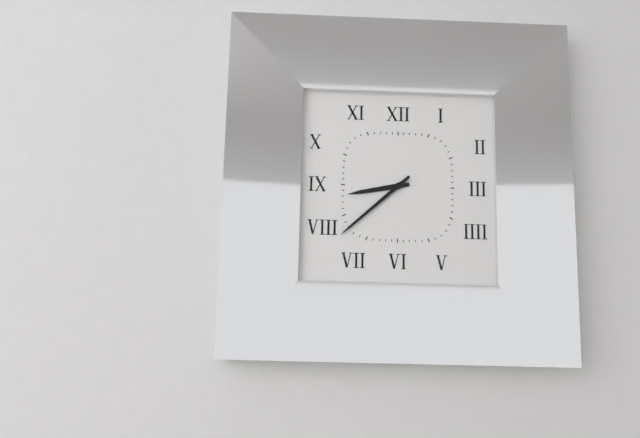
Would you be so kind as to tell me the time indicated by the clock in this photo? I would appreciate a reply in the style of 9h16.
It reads 8h38
